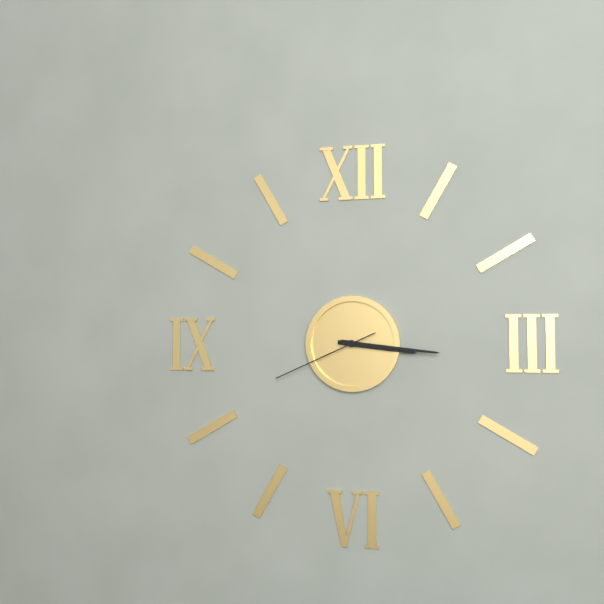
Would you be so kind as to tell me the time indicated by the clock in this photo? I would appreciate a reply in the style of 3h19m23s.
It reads 3h16m41s
